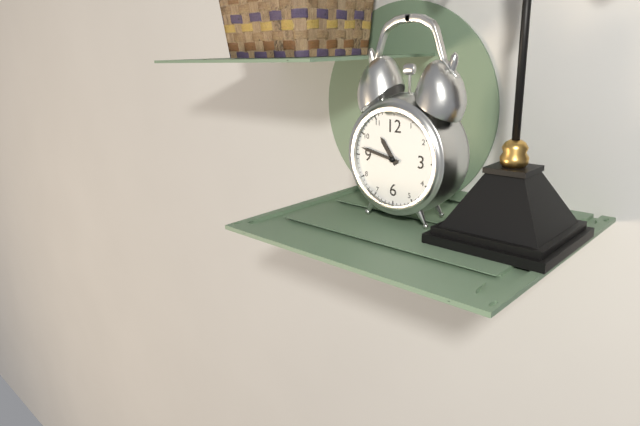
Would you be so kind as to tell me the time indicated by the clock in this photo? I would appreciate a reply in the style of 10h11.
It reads 10h47
